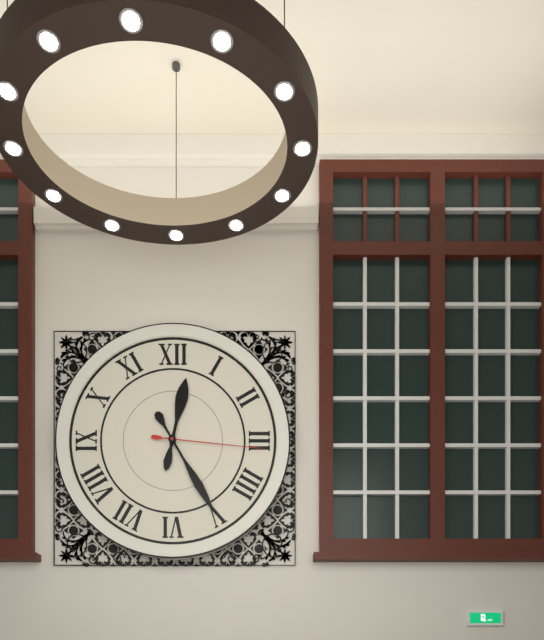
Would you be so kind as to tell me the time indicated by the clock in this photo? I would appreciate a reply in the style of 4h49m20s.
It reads 12h25m16s
